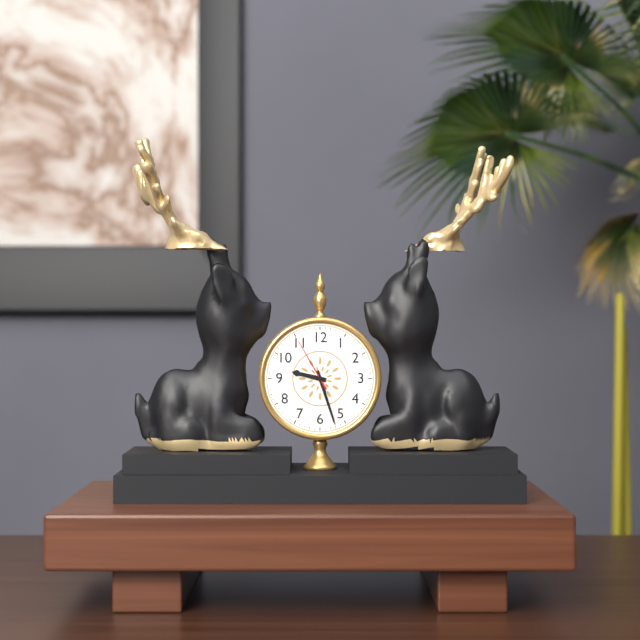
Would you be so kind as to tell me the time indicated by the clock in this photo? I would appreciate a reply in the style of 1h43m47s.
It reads 9h27m55s
